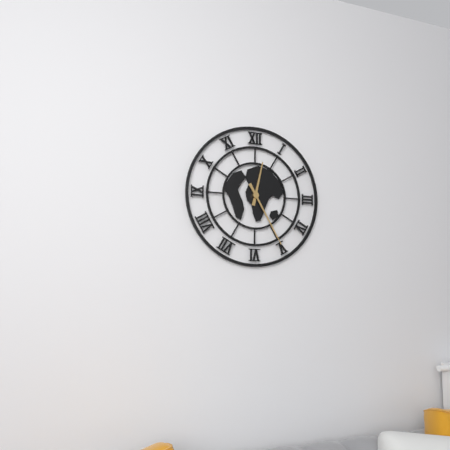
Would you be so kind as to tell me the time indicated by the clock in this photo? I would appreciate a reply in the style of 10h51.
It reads 12h25
